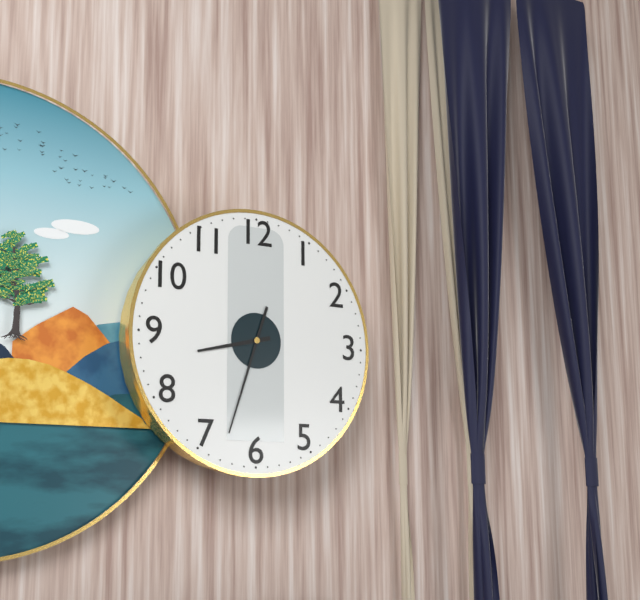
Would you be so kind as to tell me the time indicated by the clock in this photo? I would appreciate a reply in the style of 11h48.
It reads 8h33
